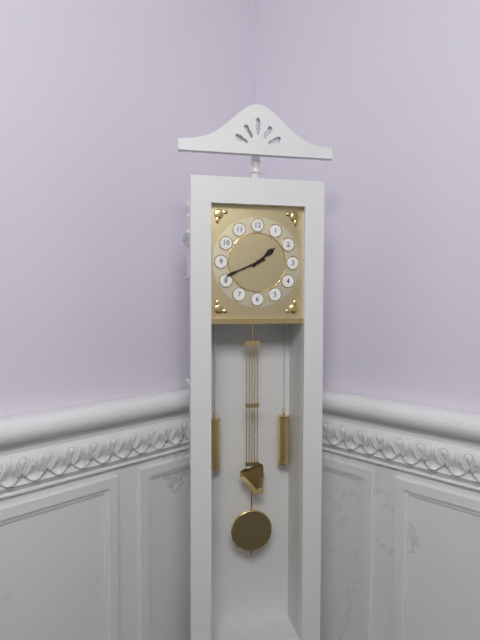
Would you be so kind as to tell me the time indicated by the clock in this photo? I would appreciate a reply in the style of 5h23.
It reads 1h41
